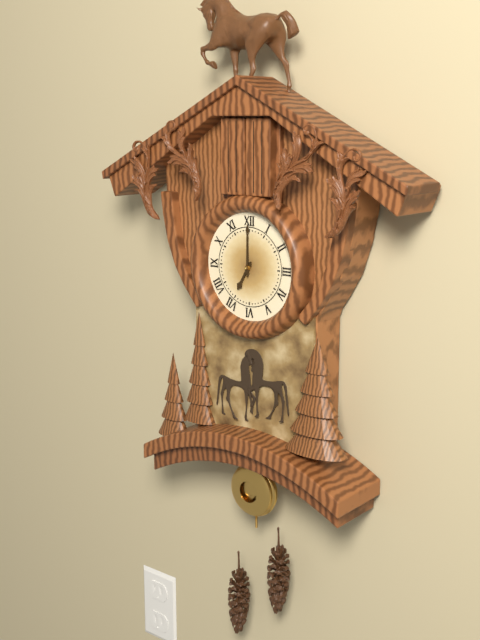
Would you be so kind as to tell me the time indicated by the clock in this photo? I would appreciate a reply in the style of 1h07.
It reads 7h00
